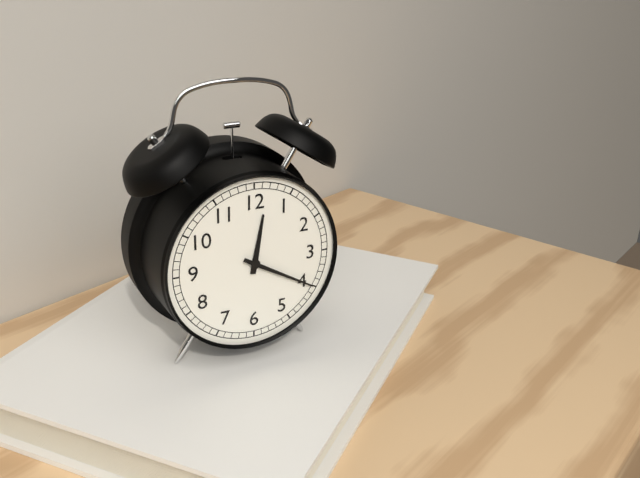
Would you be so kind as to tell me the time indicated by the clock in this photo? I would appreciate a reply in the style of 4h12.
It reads 12h20
